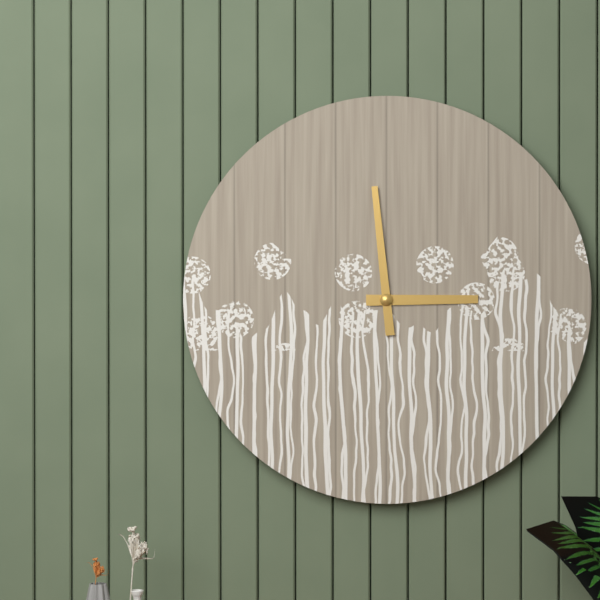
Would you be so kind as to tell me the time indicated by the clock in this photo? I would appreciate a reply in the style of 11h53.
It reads 2h59
